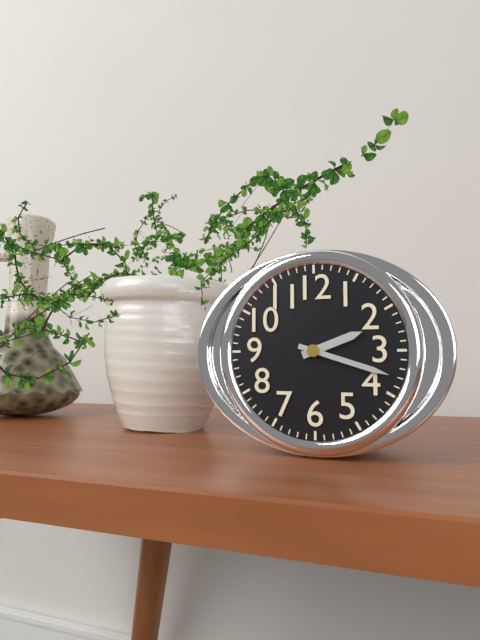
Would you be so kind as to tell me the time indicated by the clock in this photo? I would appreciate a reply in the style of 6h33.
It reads 2h18
